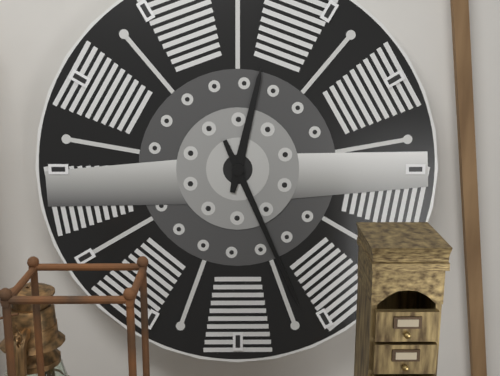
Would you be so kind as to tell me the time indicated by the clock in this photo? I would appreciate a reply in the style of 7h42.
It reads 12h26
